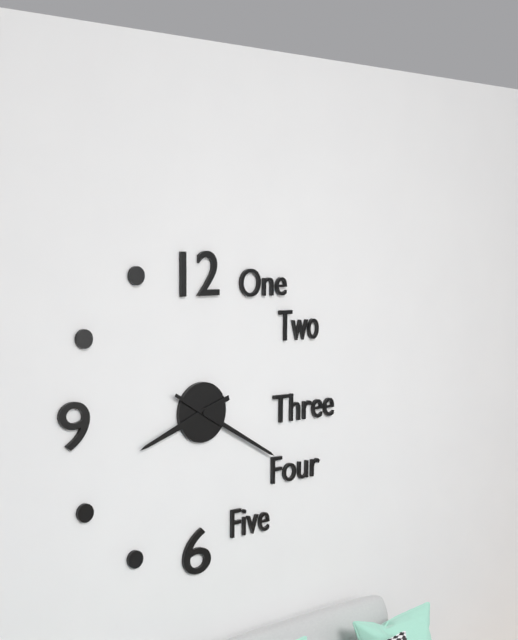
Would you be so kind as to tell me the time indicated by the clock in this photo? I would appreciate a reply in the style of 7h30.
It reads 8h20
